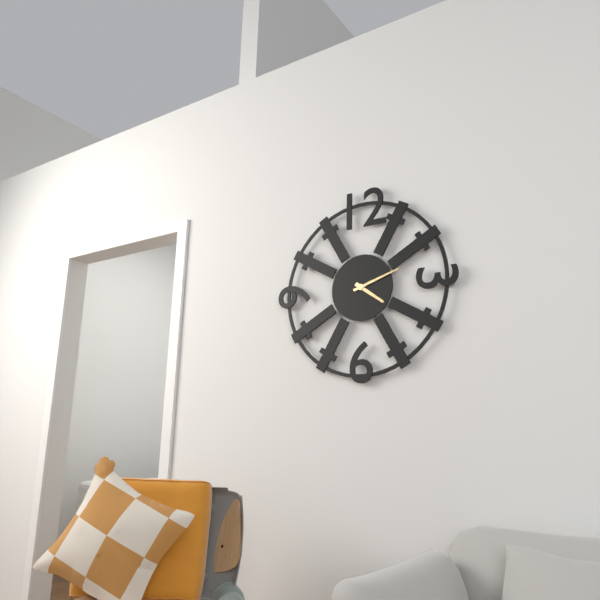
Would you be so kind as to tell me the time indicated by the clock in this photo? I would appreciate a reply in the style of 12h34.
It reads 4h12
